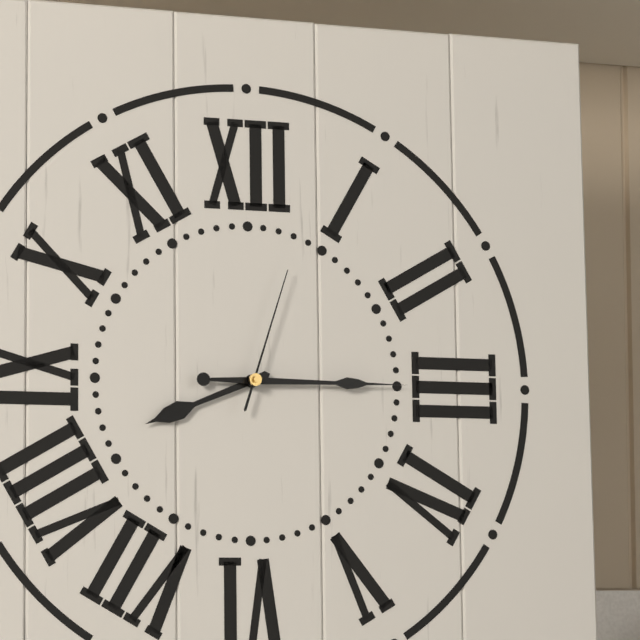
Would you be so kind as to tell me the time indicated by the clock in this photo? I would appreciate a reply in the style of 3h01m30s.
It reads 8h15m03s
